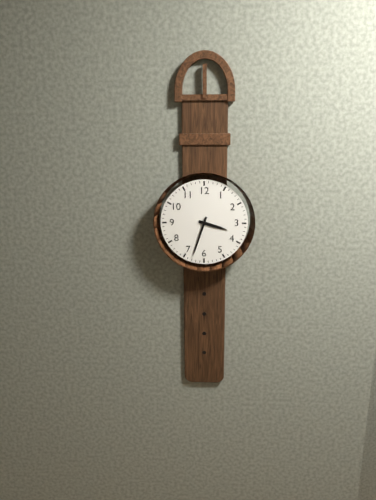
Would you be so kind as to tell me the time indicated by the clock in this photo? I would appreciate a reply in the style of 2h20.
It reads 3h33
